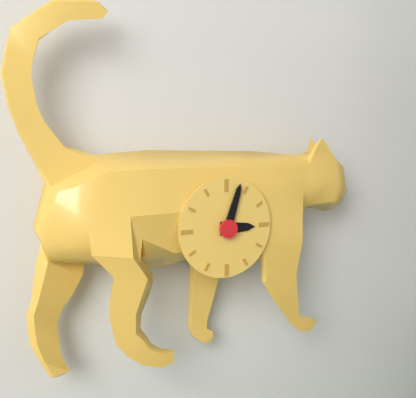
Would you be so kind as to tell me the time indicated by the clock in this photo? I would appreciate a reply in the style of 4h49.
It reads 3h03
